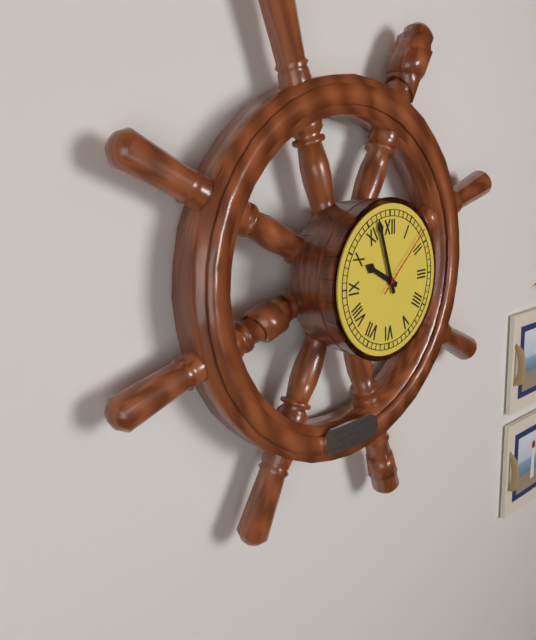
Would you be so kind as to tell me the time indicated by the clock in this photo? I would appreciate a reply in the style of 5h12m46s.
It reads 9h57m08s
